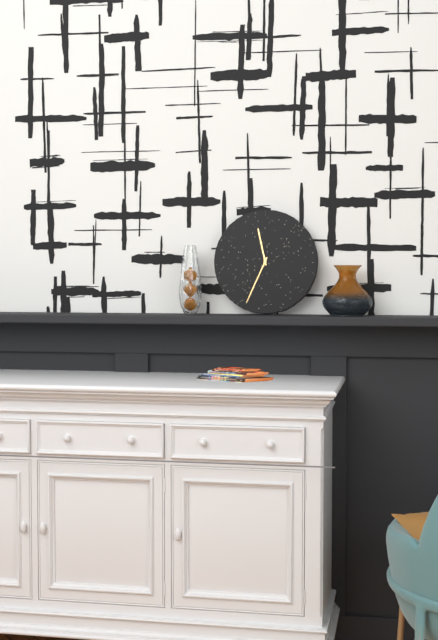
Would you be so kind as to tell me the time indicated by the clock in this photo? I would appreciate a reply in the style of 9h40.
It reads 11h34
